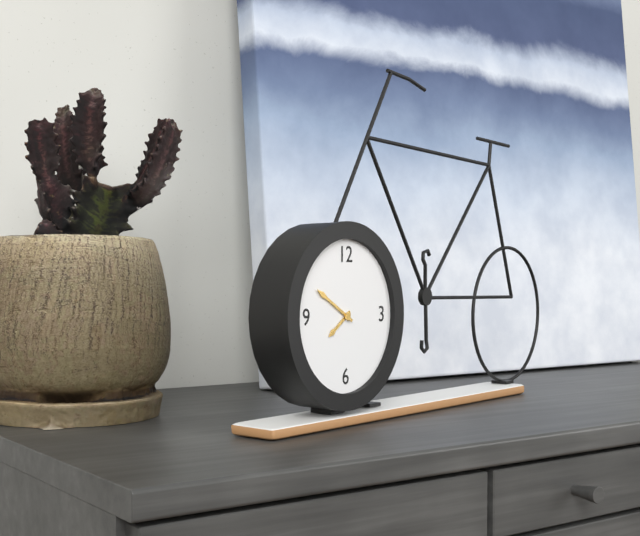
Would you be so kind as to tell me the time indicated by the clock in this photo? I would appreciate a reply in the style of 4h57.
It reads 7h50
